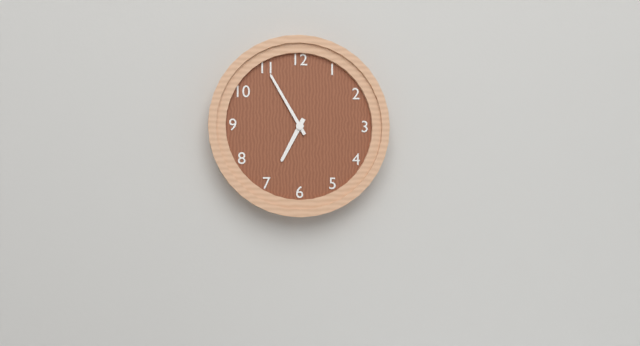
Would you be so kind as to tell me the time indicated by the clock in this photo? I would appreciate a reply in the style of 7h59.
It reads 6h55
